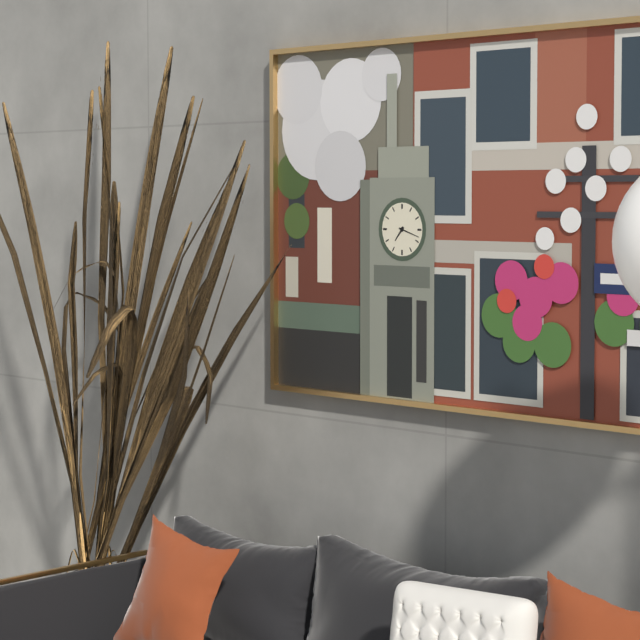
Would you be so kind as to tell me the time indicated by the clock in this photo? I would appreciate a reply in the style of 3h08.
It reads 7h18
